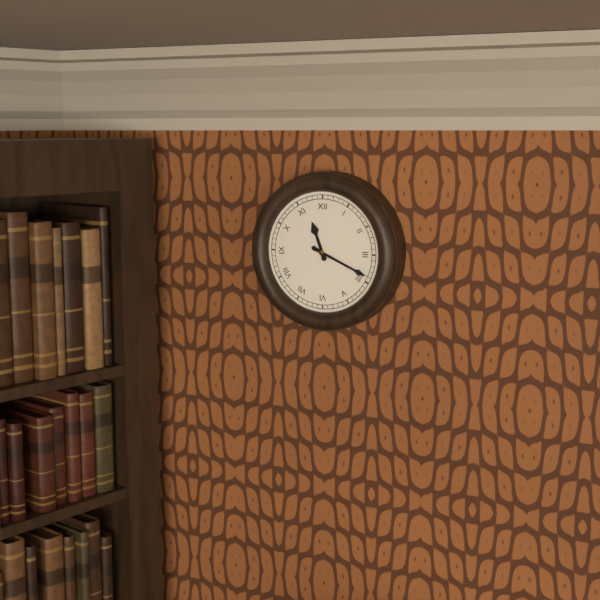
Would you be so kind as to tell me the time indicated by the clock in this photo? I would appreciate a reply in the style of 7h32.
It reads 11h19
